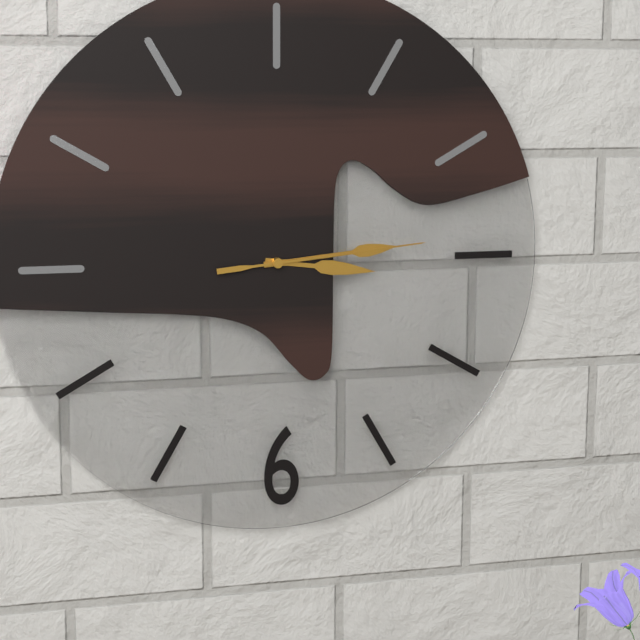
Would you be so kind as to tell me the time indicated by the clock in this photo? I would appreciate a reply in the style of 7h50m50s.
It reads 3h14m14s
